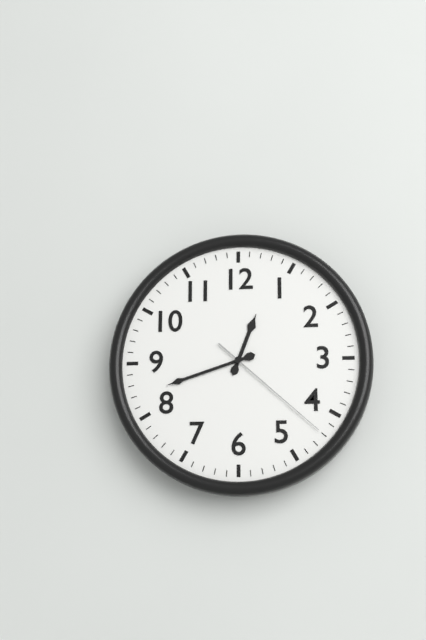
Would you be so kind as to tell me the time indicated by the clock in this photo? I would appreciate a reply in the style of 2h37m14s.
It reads 12h42m22s
